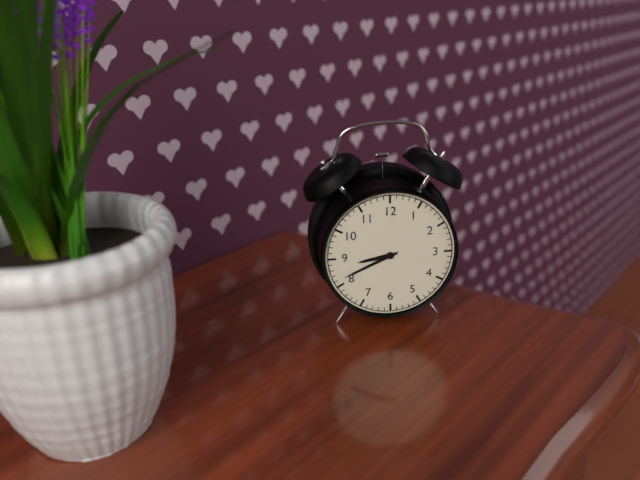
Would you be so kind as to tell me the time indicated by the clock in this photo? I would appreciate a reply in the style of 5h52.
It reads 8h41
